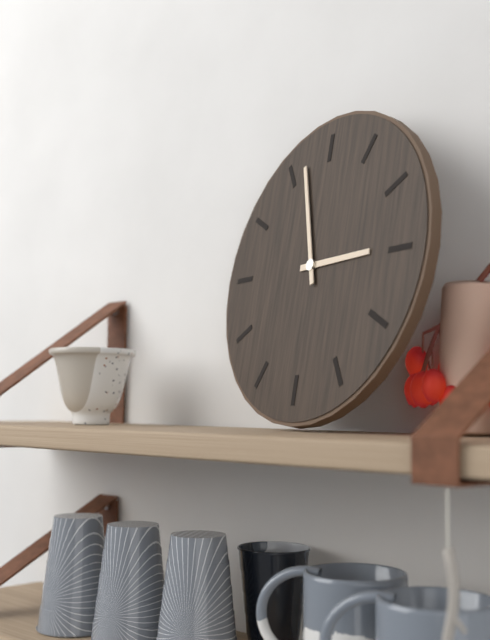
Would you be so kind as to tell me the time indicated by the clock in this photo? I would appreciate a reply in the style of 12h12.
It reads 2h57
